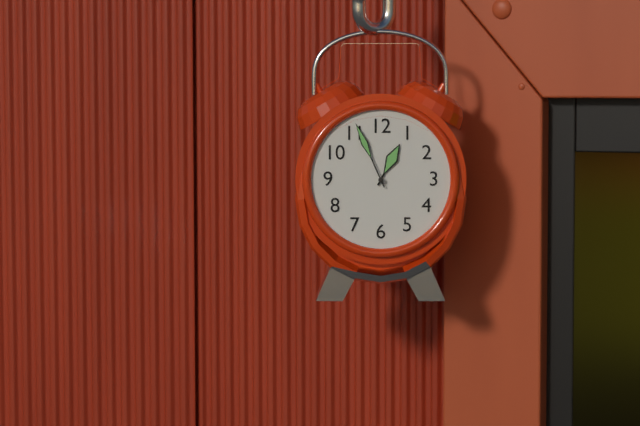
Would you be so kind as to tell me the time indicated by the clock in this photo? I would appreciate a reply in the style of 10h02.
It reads 12h56
